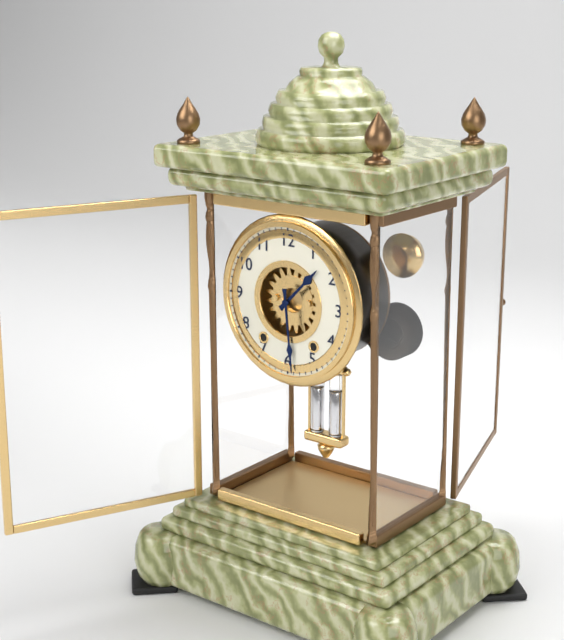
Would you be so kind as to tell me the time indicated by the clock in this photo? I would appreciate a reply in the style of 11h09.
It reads 1h29
